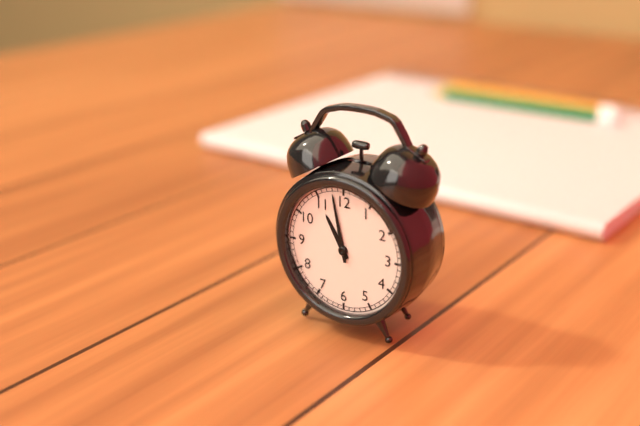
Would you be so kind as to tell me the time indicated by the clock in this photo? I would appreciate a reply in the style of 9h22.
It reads 10h58
